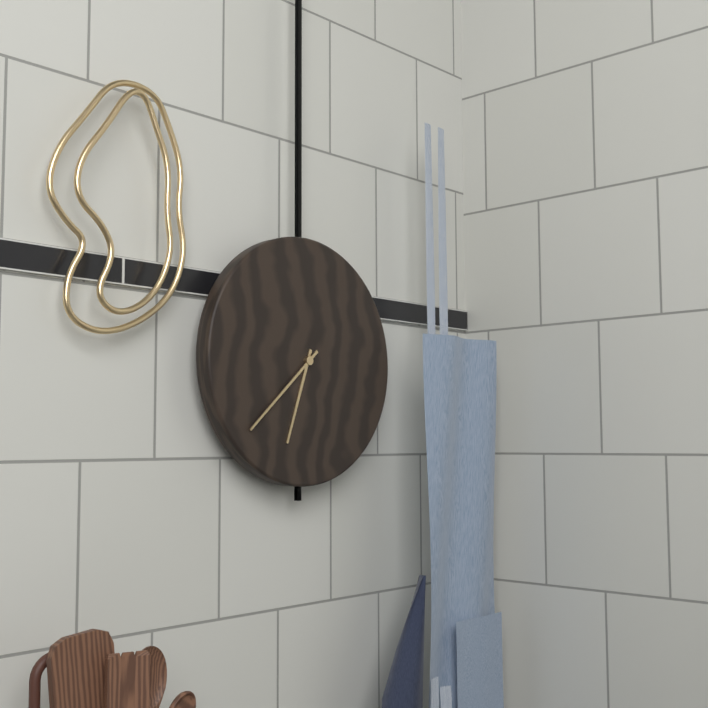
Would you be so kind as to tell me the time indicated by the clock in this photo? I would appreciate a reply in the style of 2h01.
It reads 6h38
